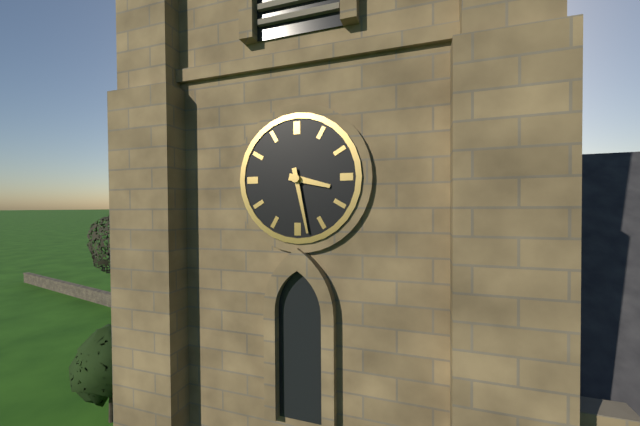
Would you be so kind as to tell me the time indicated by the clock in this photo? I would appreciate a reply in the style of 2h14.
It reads 3h28
